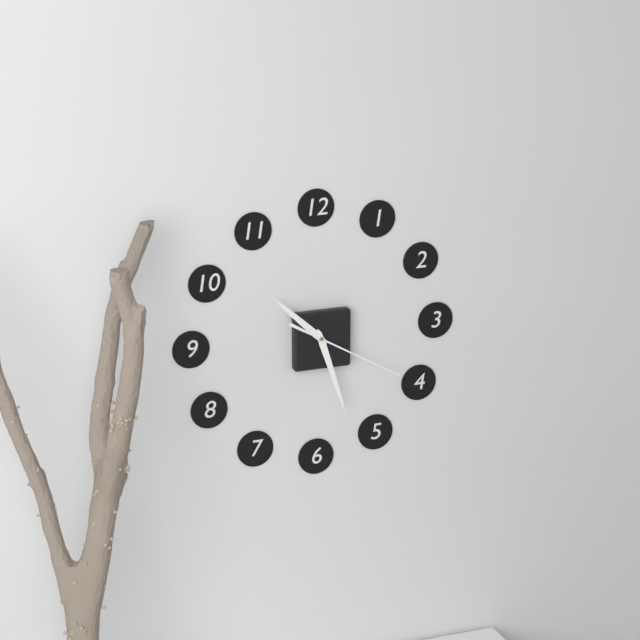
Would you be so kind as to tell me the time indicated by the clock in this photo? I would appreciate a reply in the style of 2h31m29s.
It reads 10h27m20s
